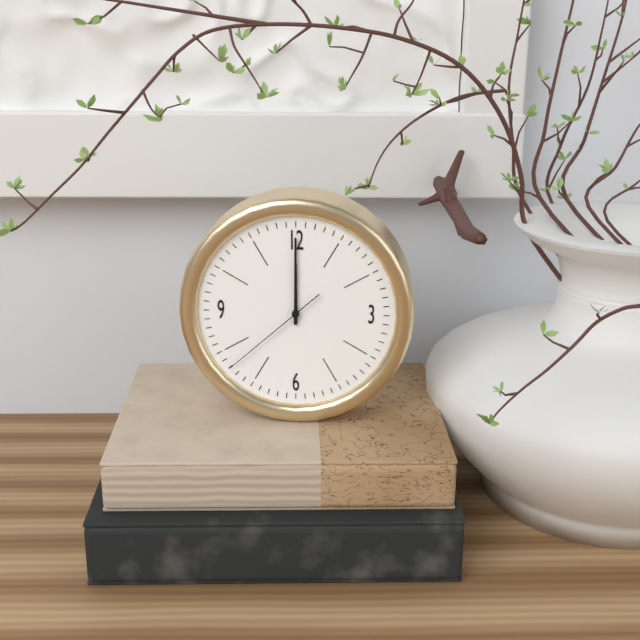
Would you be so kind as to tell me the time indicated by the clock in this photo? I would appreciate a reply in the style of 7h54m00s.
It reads 12h00m38s
